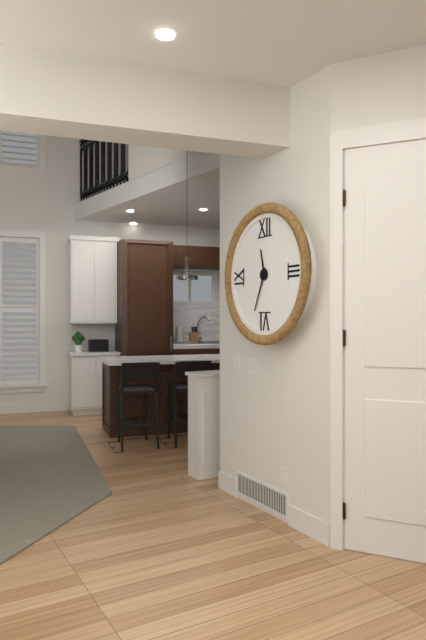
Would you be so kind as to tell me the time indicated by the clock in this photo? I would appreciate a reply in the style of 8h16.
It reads 11h34
